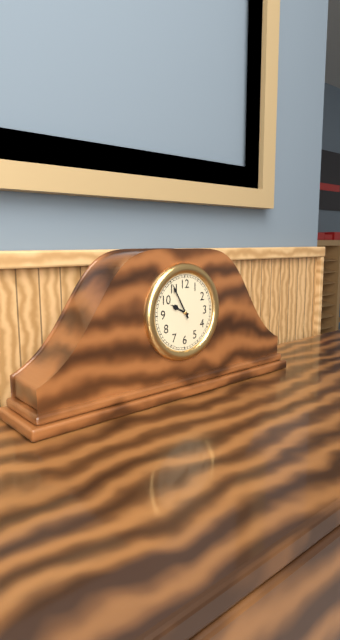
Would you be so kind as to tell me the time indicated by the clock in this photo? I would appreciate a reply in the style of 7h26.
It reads 9h55
